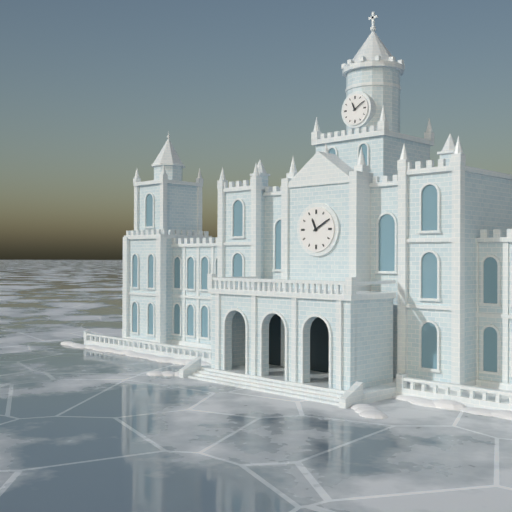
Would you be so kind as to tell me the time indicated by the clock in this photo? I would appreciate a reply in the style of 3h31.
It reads 11h10
